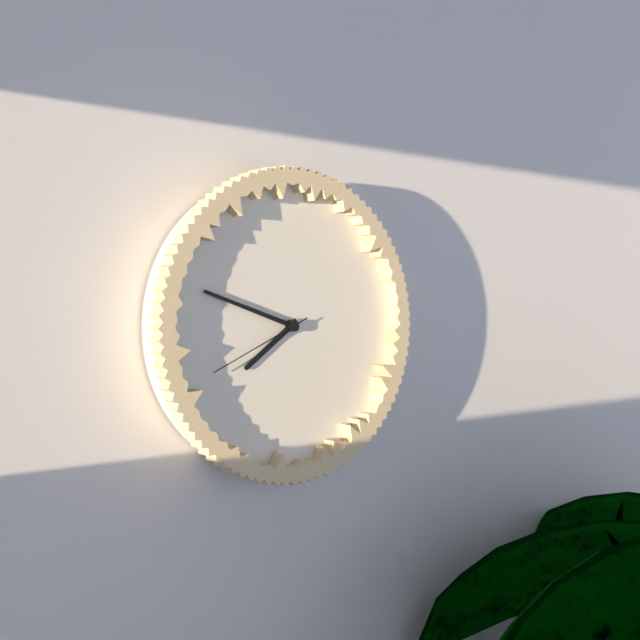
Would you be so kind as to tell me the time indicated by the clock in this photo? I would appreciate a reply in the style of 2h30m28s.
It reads 7h48m41s
